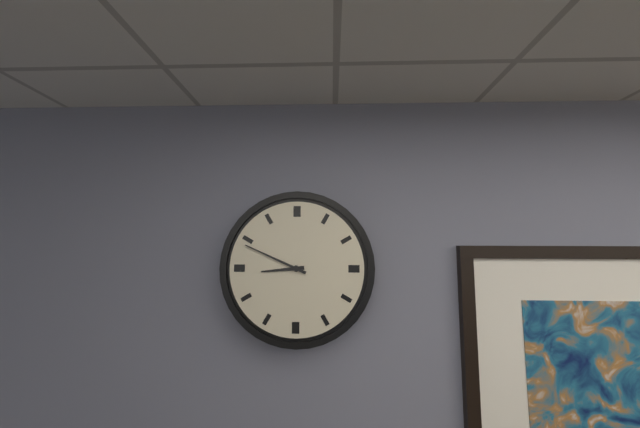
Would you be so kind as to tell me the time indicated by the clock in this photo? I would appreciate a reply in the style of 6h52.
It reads 8h49
